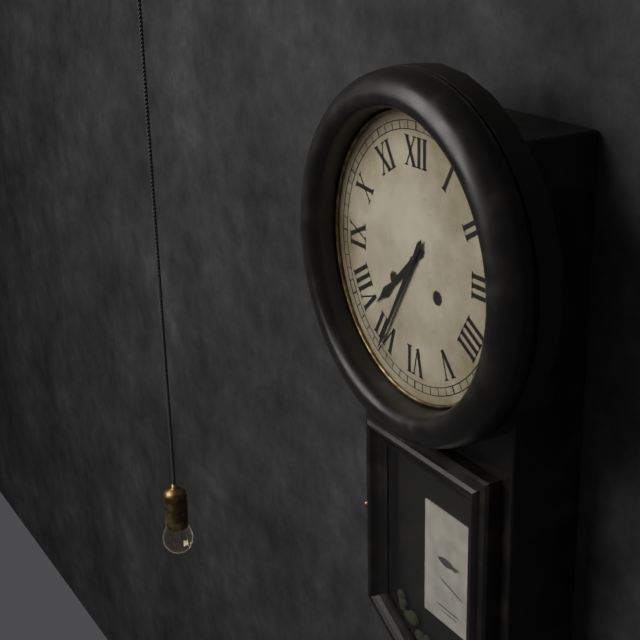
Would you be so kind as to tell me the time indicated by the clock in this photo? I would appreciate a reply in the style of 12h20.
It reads 7h35
